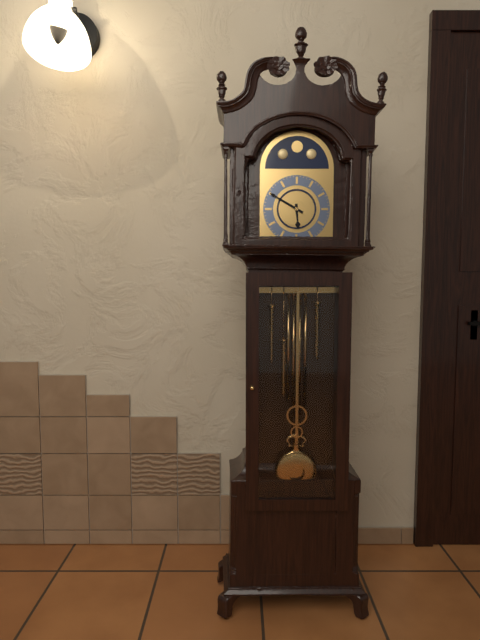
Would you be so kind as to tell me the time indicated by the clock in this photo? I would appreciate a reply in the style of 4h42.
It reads 5h50
